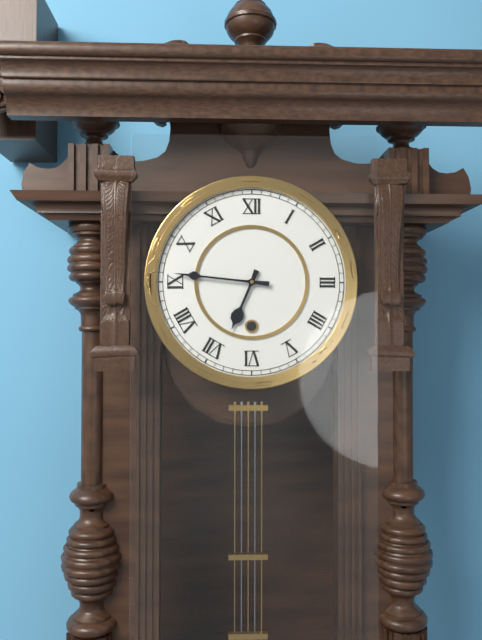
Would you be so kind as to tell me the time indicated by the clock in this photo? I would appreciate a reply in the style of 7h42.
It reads 6h46
